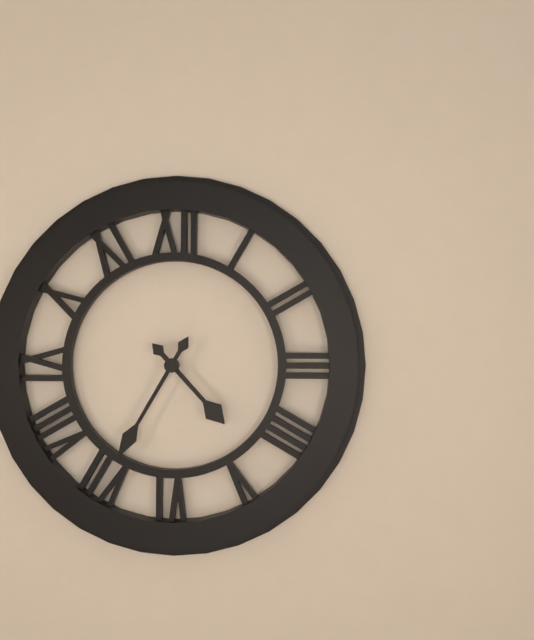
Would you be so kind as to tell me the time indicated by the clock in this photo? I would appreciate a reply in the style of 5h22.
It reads 4h35
